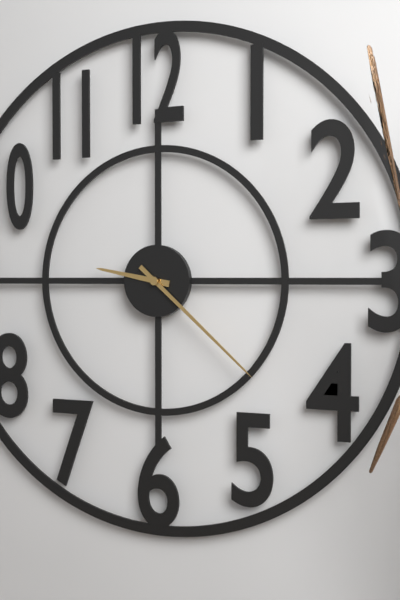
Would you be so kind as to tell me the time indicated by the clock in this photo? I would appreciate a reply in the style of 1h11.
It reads 9h22
